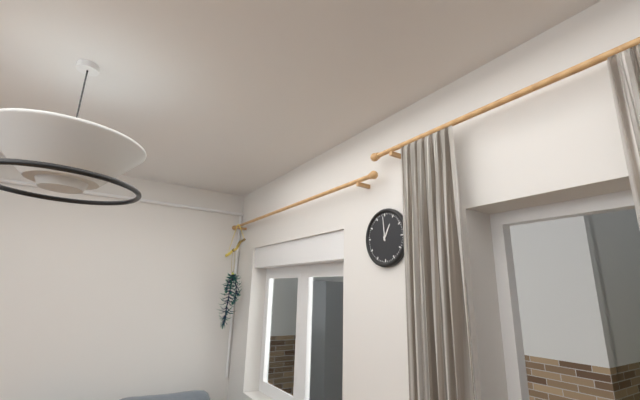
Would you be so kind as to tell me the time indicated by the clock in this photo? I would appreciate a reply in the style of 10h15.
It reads 12h59
